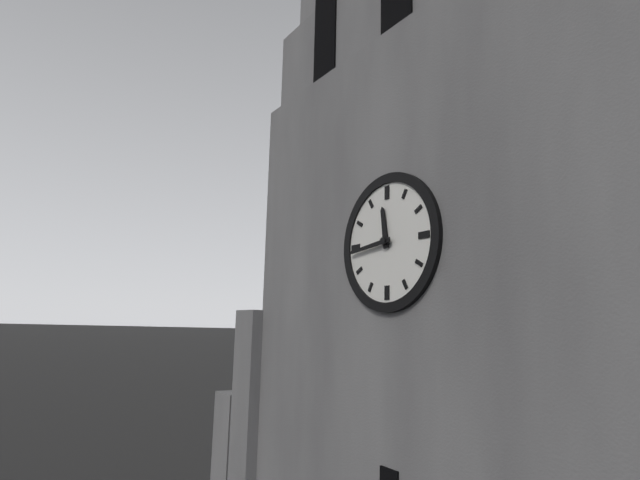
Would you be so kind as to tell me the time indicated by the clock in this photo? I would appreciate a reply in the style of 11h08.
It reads 11h44
